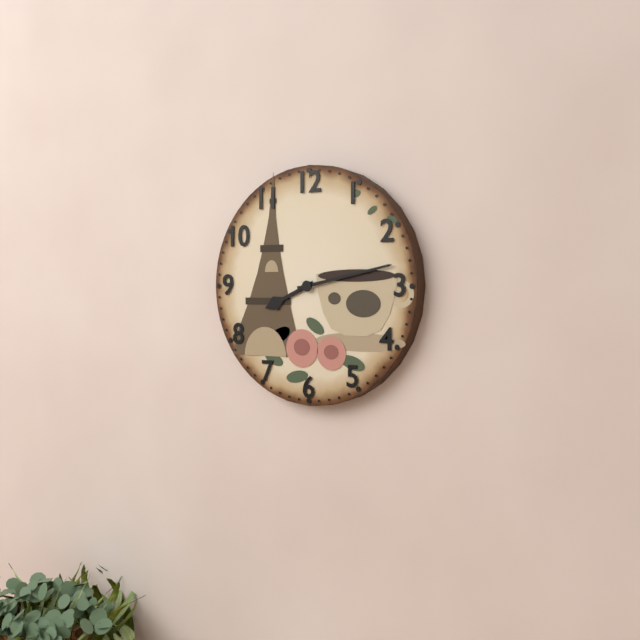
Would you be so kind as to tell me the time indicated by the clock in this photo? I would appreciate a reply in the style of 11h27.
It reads 8h13
